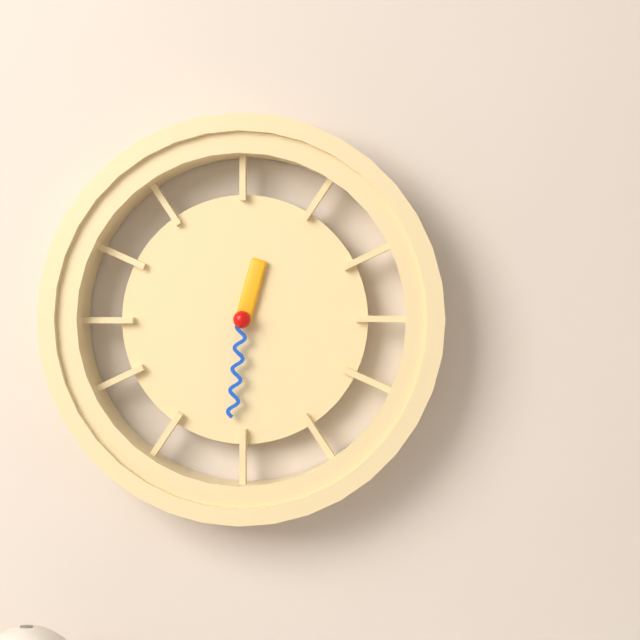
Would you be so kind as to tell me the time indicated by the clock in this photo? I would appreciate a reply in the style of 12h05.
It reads 12h31
